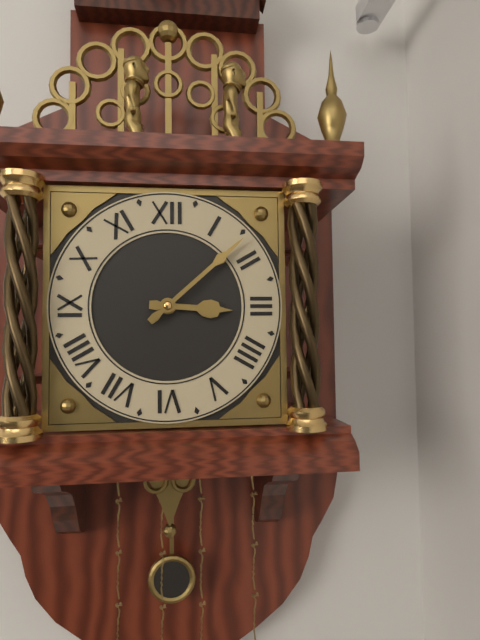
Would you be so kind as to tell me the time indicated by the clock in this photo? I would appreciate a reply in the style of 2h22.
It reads 3h08
